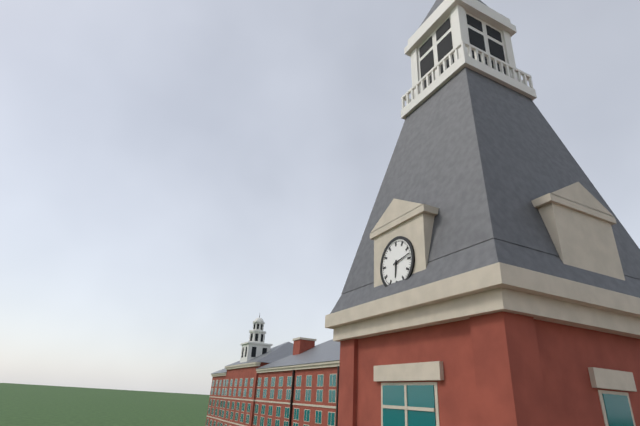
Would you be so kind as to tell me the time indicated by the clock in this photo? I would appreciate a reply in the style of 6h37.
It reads 6h13
